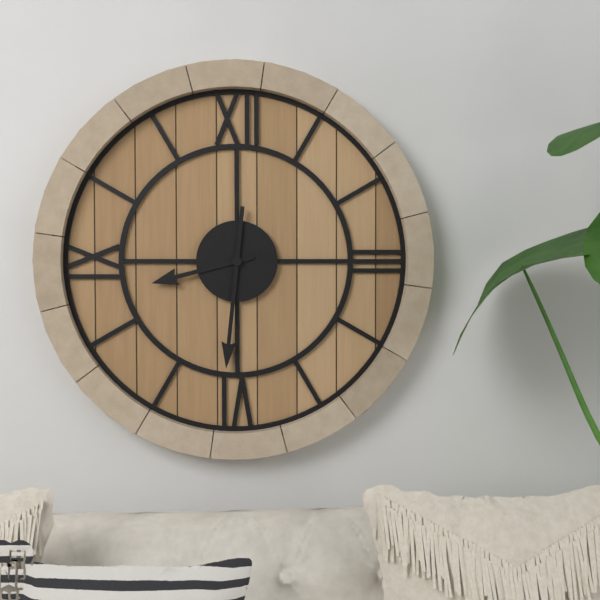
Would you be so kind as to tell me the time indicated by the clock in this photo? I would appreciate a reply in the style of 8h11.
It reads 8h31
